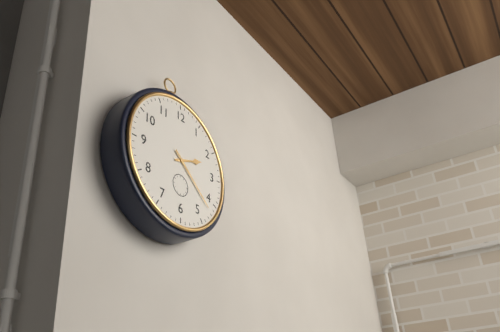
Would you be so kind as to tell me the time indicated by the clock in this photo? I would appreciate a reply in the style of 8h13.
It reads 2h22
